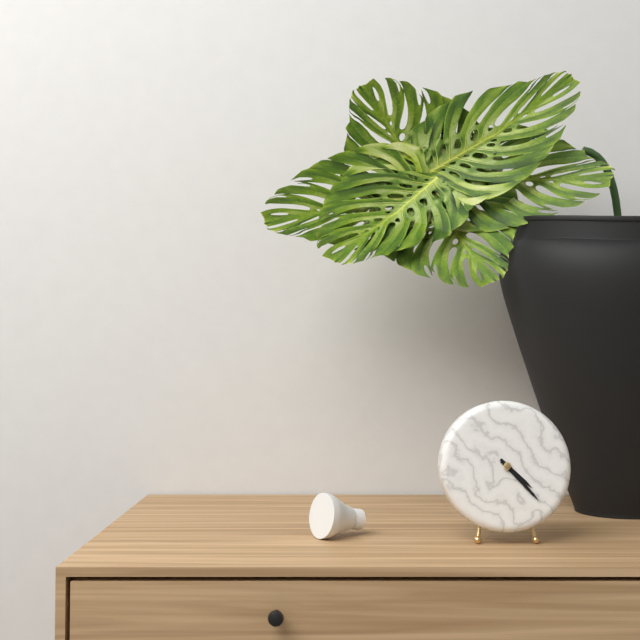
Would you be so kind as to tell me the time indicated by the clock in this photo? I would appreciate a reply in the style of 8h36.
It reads 4h23
